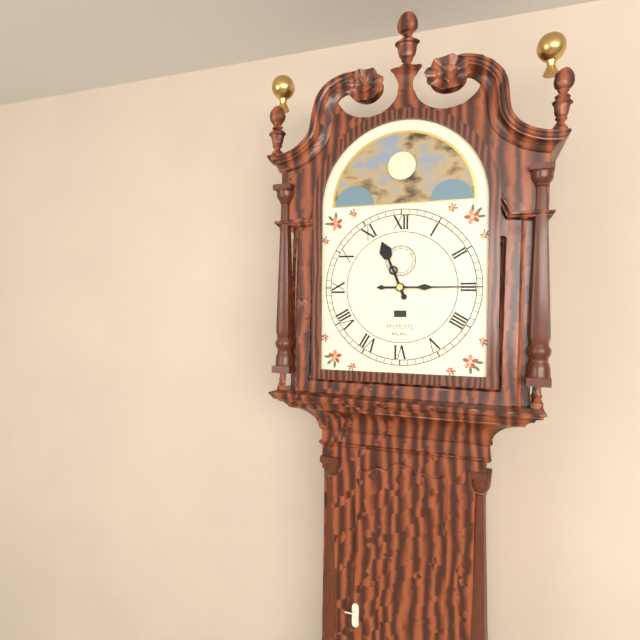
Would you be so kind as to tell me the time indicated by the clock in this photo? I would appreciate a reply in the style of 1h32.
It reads 11h15
